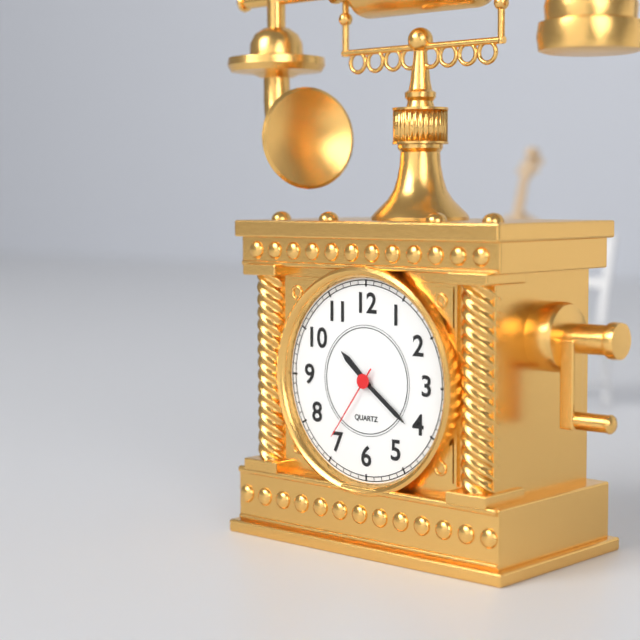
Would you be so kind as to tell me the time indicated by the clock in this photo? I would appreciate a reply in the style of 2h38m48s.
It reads 10h21m36s
